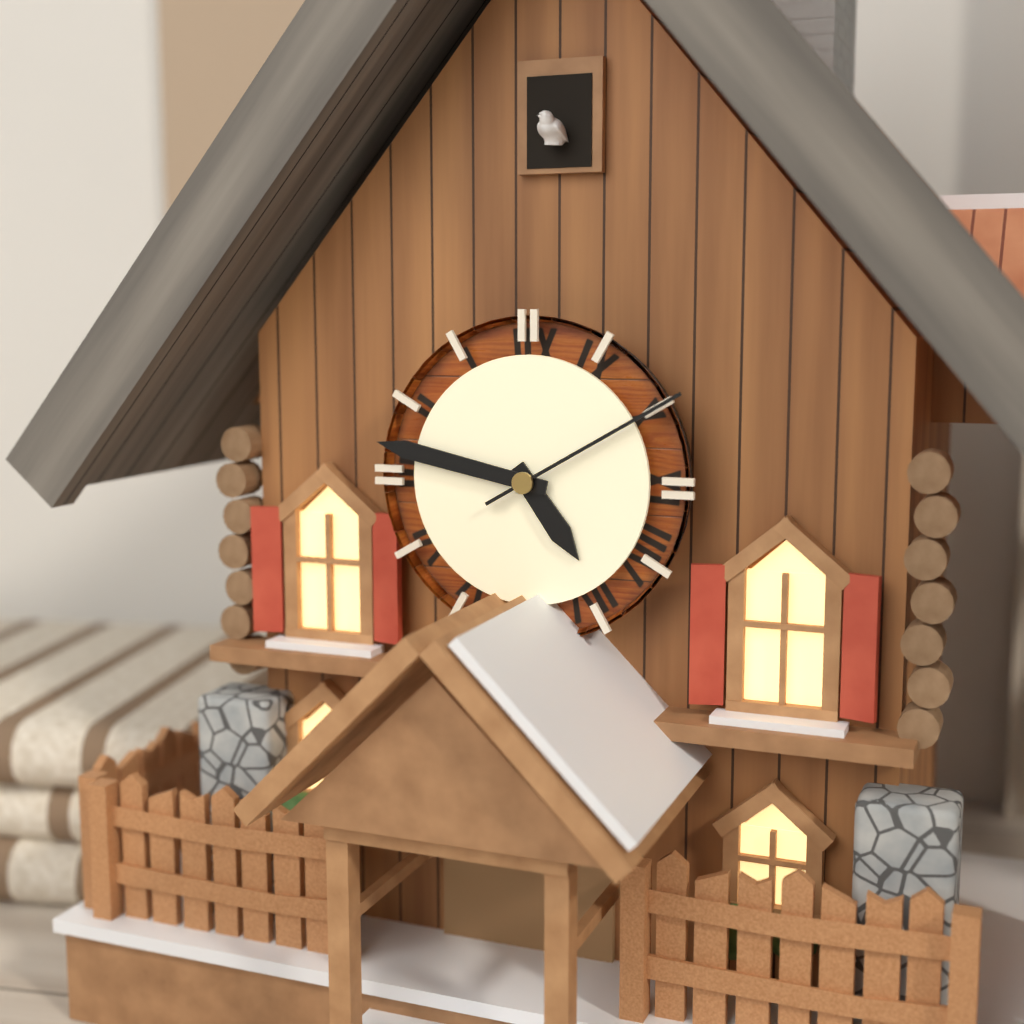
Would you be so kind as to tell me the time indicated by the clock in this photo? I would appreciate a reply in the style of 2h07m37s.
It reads 4h47m10s
